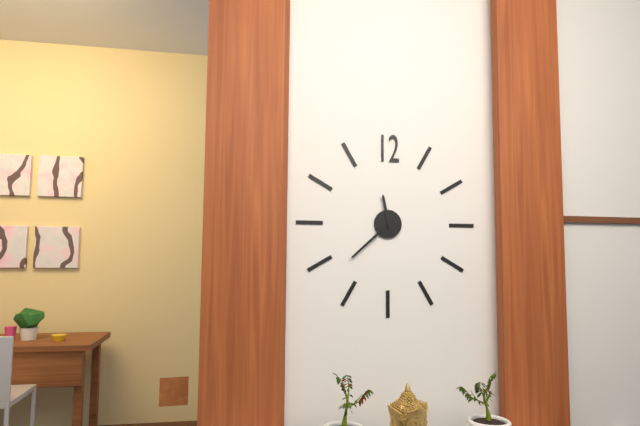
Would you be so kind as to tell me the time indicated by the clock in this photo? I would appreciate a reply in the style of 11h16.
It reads 11h38
